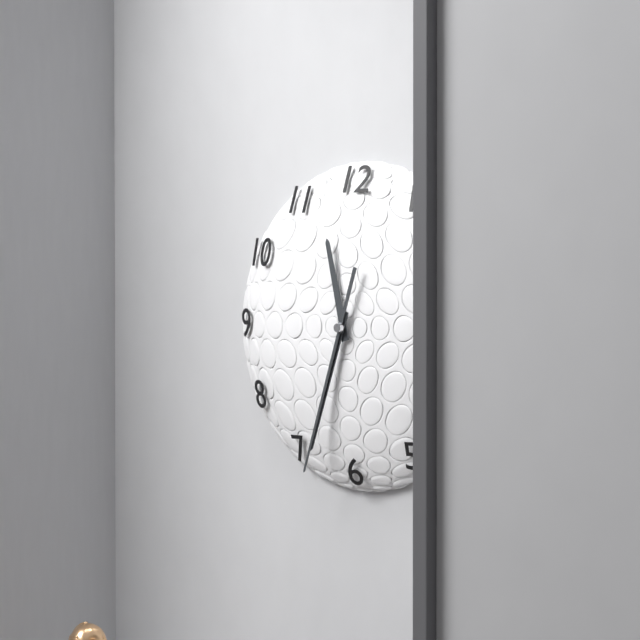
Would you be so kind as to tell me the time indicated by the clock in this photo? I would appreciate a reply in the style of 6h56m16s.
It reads 11h33m33s
